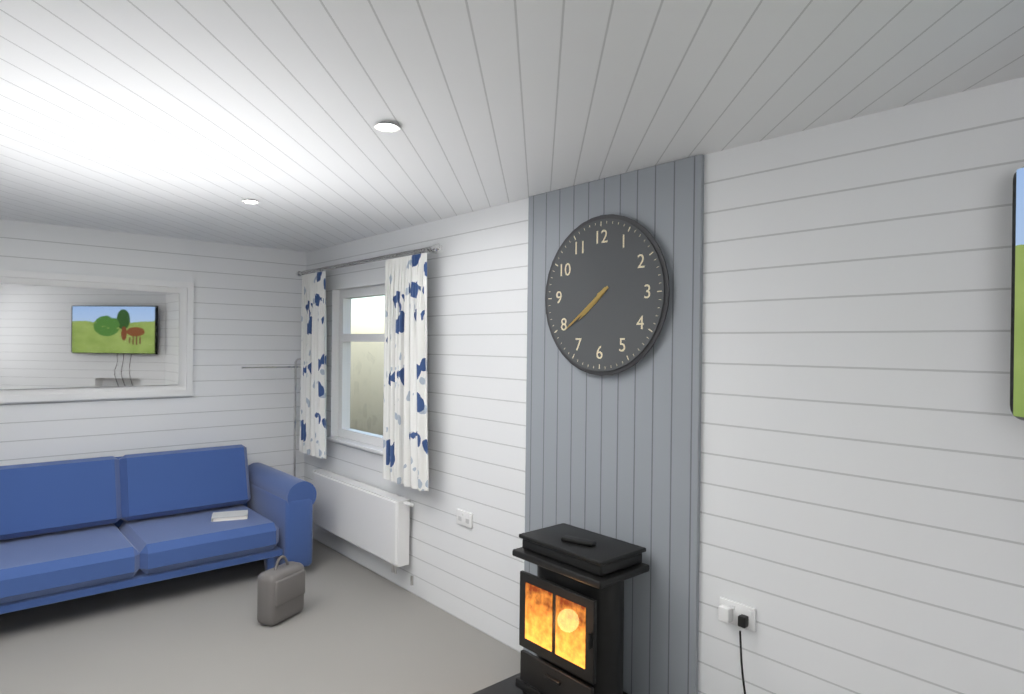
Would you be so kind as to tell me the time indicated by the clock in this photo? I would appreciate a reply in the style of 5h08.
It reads 7h39
